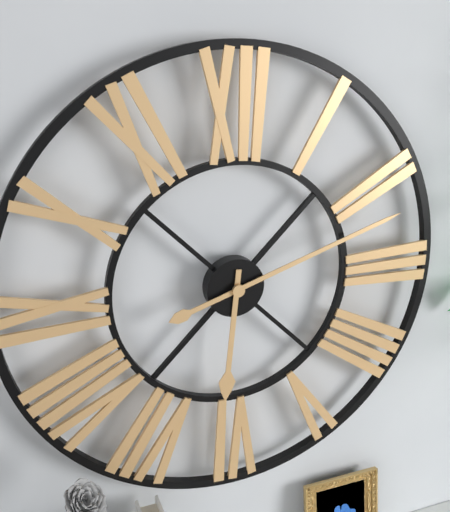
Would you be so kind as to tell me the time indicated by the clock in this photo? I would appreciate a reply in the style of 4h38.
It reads 6h12
